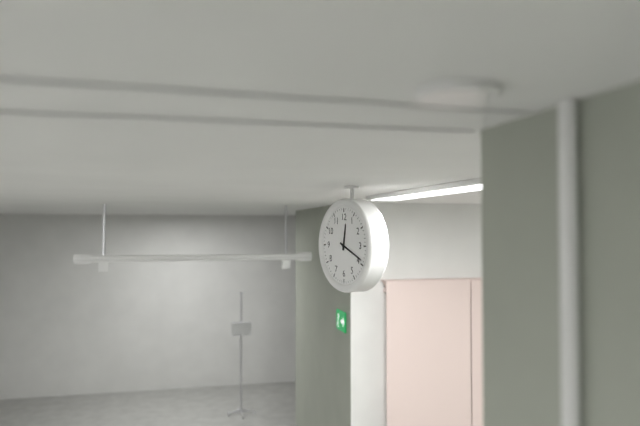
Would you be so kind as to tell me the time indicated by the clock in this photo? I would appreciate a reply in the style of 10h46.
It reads 12h19
